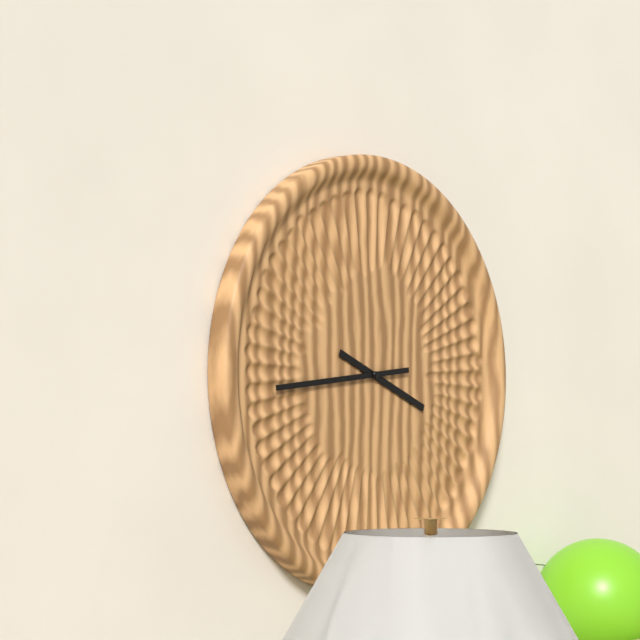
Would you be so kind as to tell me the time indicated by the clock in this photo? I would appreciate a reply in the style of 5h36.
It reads 3h44
